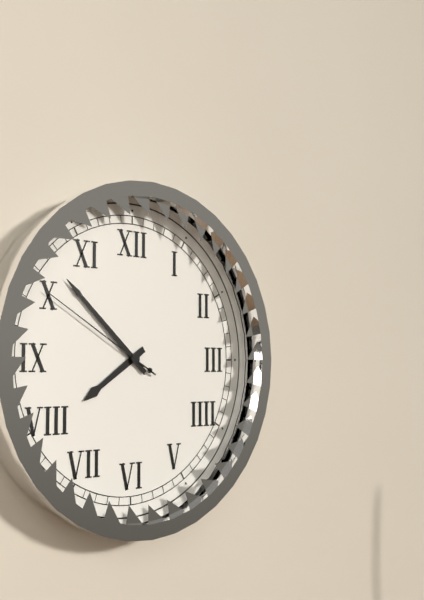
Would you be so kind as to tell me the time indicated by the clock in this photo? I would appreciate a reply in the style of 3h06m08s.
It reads 7h52m50s
